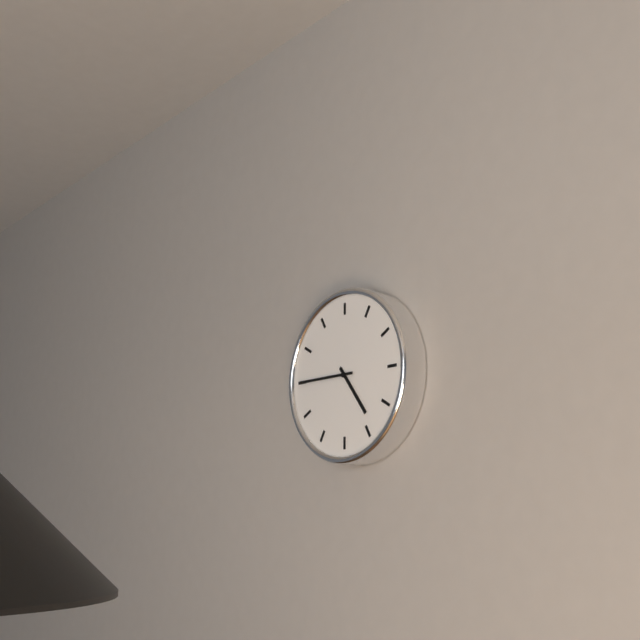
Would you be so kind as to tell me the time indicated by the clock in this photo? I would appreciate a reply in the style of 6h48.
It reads 4h45
